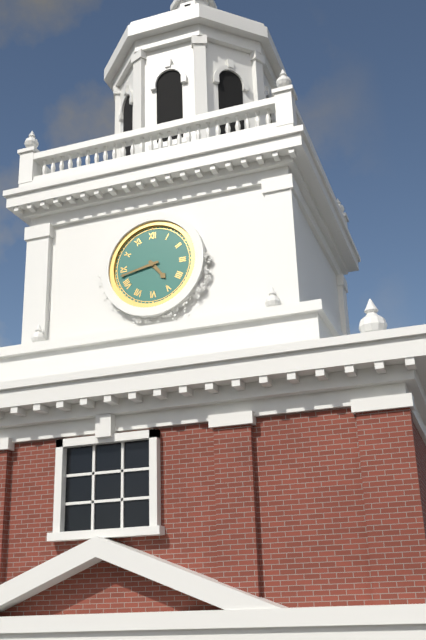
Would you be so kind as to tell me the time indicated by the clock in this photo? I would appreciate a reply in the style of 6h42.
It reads 4h43
